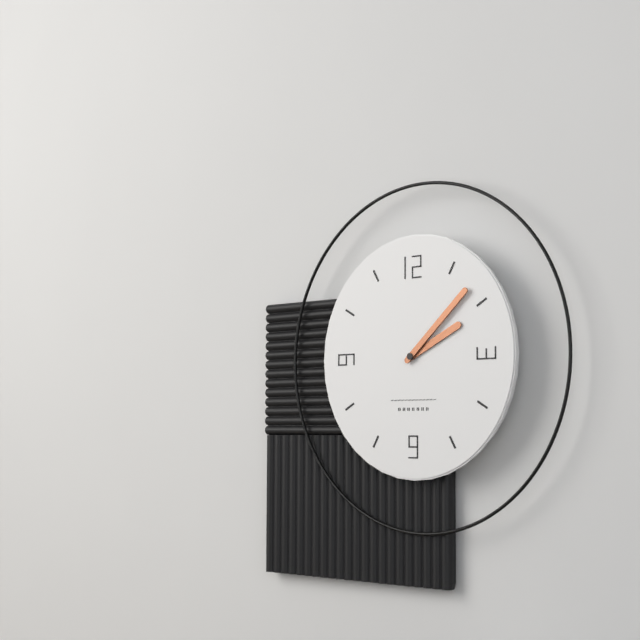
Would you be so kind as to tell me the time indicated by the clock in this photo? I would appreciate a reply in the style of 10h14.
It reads 2h08
